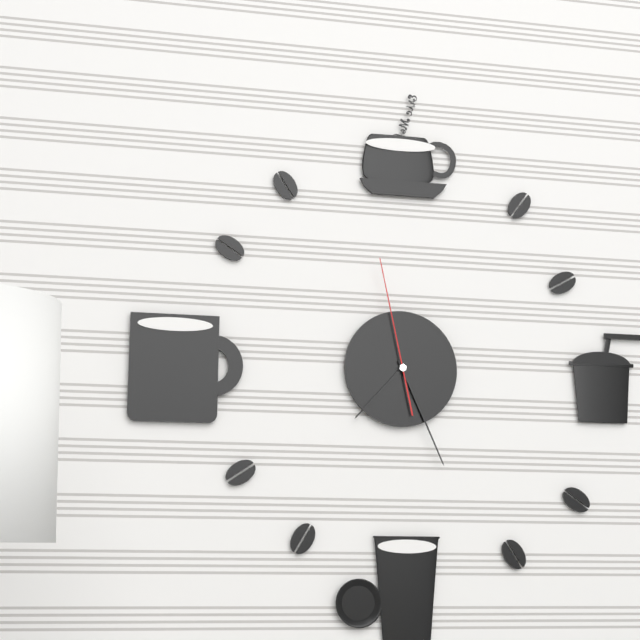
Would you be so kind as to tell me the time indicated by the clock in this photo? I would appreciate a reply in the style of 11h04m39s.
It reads 7h26m58s
